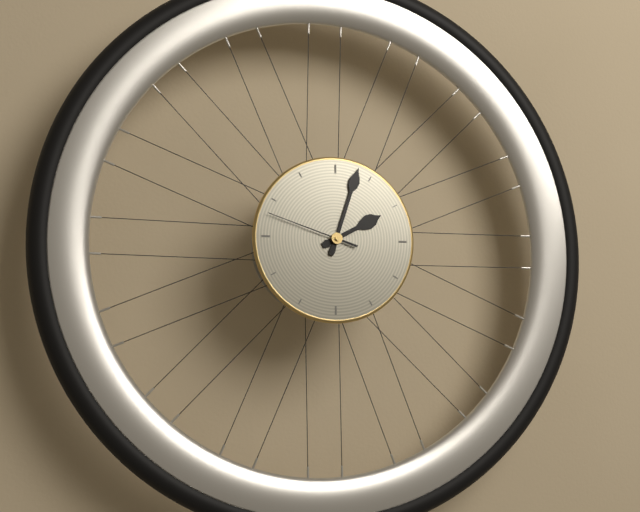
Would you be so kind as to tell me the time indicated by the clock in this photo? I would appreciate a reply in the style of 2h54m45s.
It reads 2h03m48s
